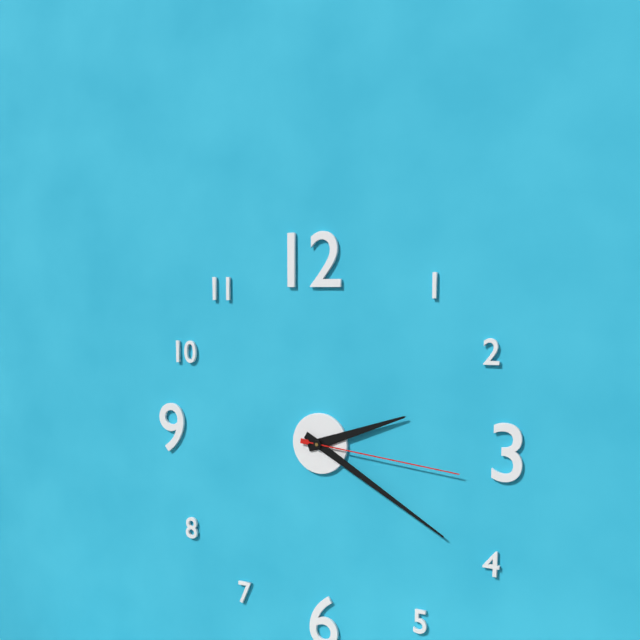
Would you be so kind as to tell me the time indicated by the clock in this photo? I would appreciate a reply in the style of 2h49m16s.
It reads 2h20m16s
